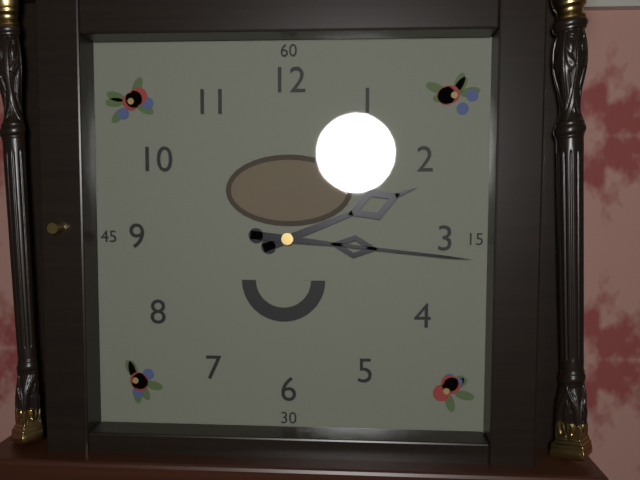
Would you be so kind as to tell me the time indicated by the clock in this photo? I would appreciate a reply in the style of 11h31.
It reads 2h16
